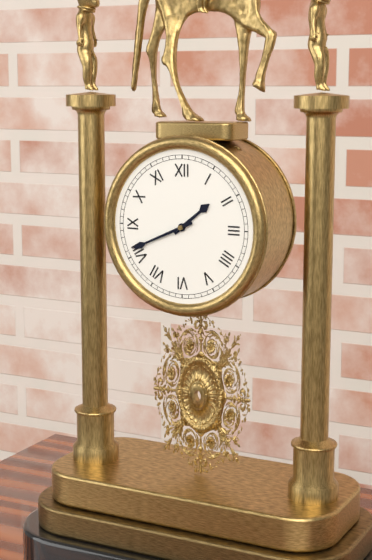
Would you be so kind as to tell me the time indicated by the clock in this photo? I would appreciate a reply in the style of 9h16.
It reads 1h41
